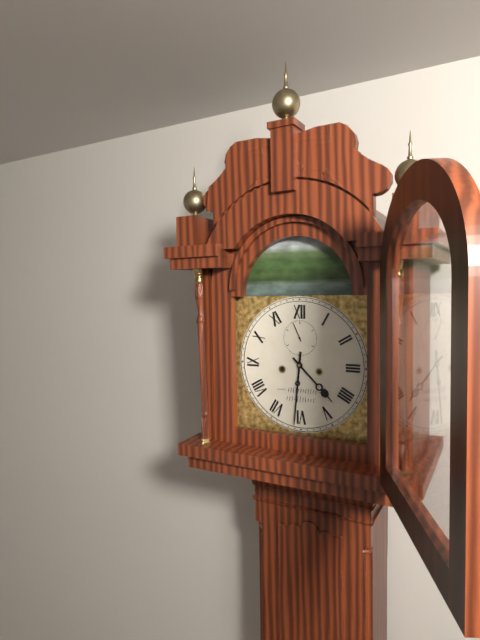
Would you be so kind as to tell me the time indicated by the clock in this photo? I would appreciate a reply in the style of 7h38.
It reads 4h31
